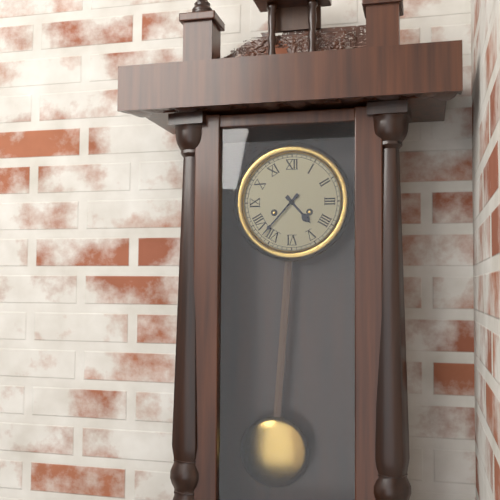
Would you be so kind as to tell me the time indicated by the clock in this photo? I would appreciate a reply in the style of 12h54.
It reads 4h37
